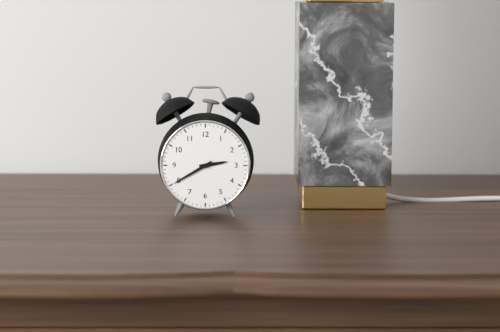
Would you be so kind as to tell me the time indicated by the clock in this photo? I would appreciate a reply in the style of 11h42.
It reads 2h40
